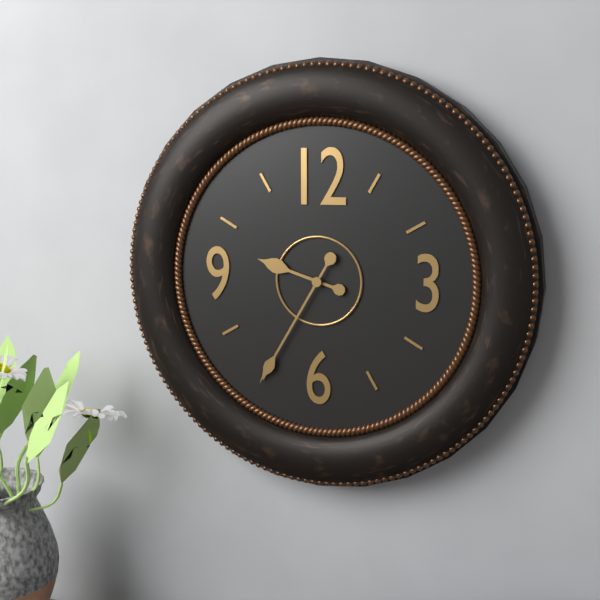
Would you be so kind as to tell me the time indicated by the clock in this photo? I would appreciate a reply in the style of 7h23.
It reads 9h35
